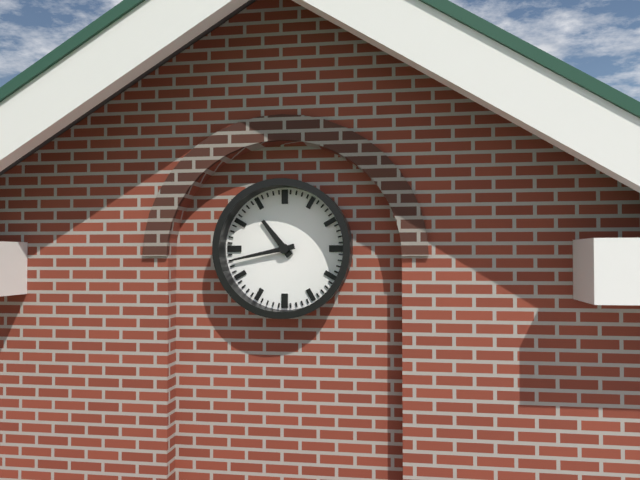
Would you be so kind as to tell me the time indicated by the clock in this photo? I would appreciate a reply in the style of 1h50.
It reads 10h43
